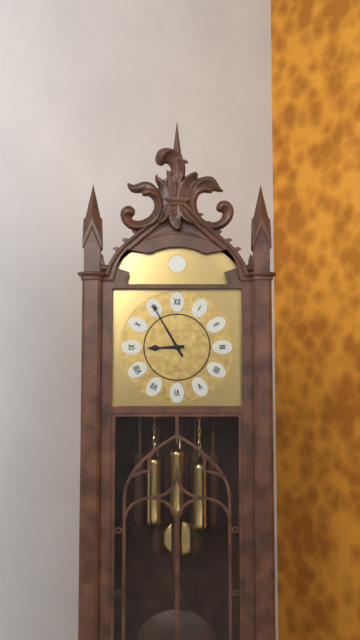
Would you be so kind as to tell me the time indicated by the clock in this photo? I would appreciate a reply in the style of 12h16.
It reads 8h55
